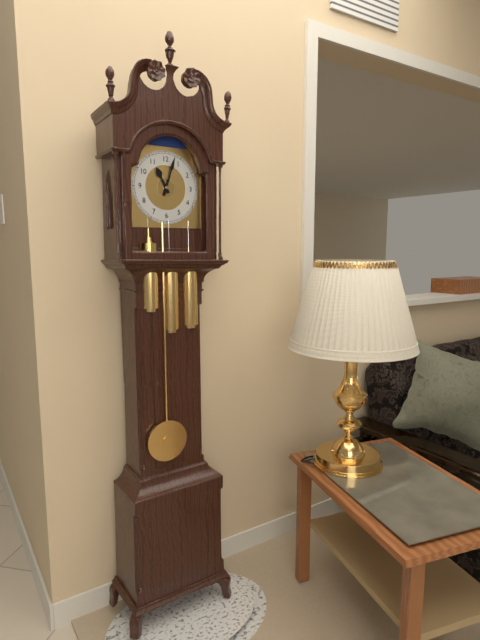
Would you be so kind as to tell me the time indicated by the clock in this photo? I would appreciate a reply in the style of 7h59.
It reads 11h03
